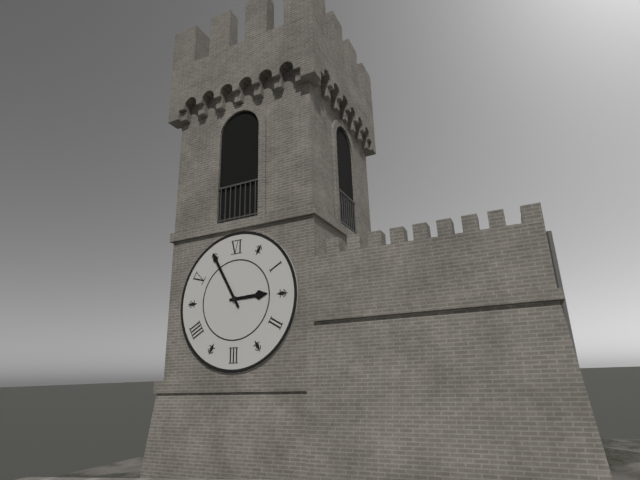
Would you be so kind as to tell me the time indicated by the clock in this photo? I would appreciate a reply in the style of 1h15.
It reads 2h55
